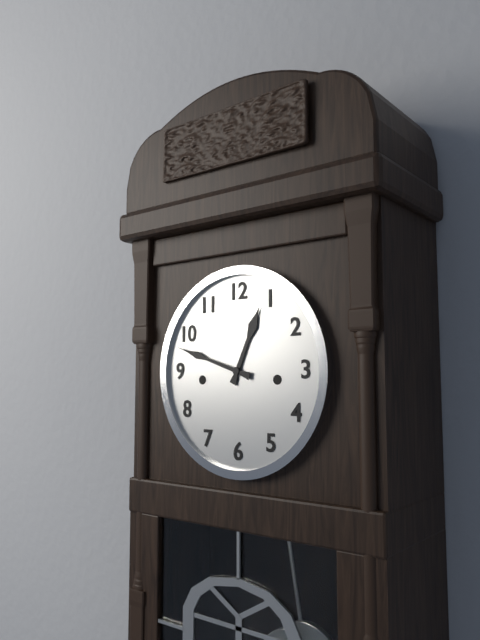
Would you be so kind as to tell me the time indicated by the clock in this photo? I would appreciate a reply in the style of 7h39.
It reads 12h48
